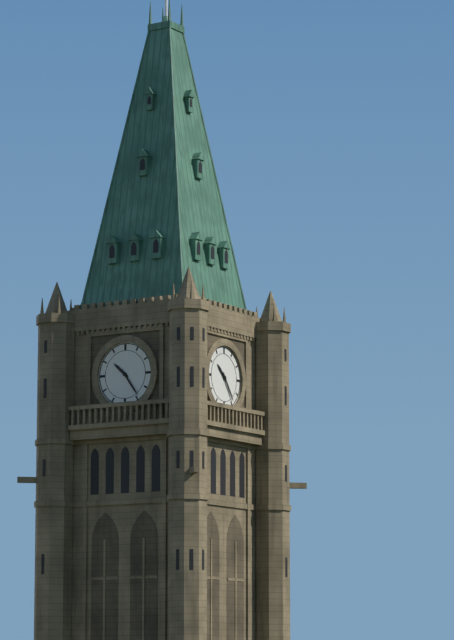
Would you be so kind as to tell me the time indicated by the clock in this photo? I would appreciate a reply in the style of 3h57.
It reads 10h24
